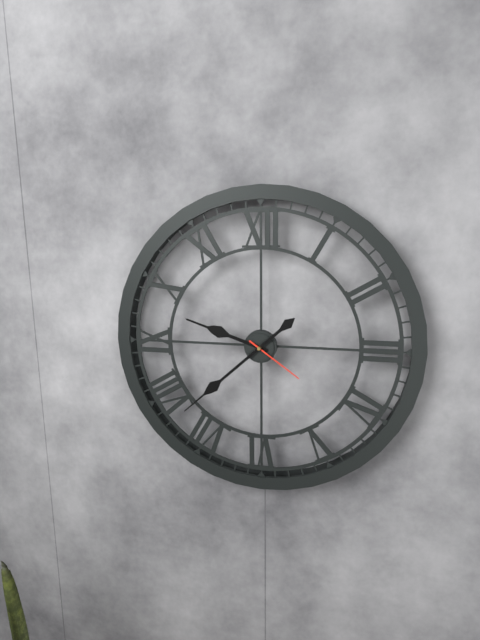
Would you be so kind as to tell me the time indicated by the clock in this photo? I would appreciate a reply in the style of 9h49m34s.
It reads 9h38m21s
